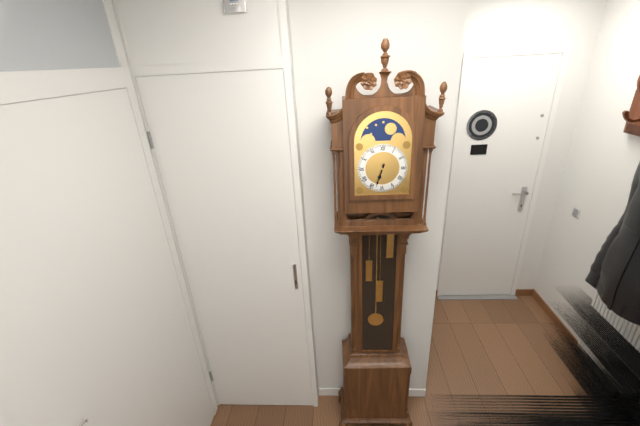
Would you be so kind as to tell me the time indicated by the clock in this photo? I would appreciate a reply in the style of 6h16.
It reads 6h33
